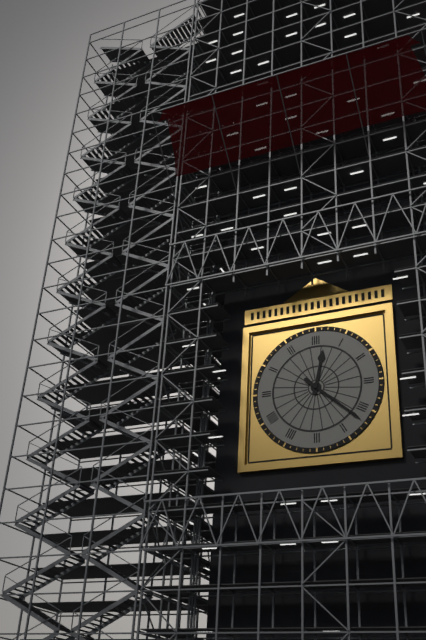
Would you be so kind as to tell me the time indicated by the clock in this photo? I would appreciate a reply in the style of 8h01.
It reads 12h22
